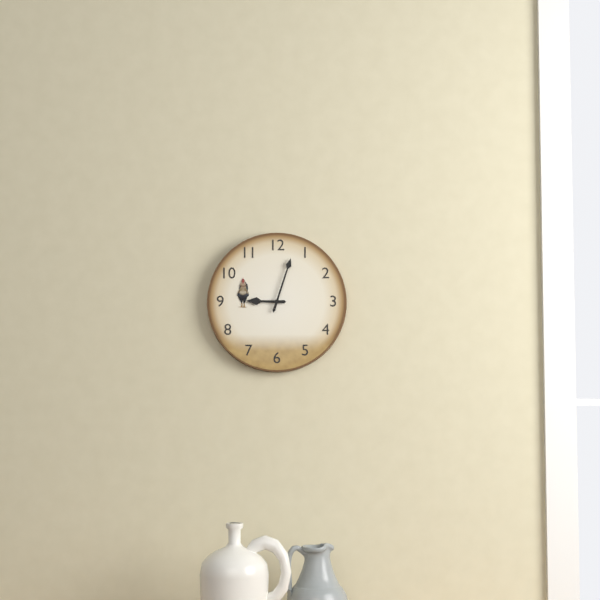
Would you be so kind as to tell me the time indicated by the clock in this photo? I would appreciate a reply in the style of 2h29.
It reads 9h03
